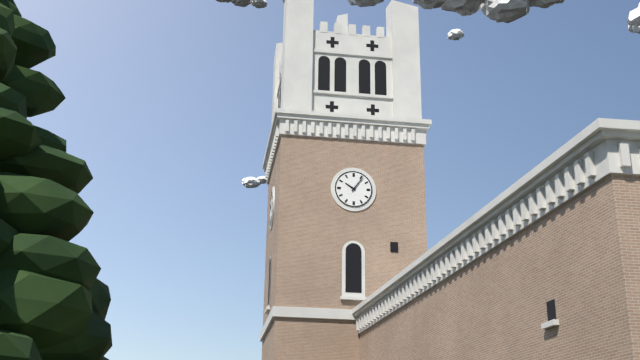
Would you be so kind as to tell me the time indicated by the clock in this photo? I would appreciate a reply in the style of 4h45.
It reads 10h06
